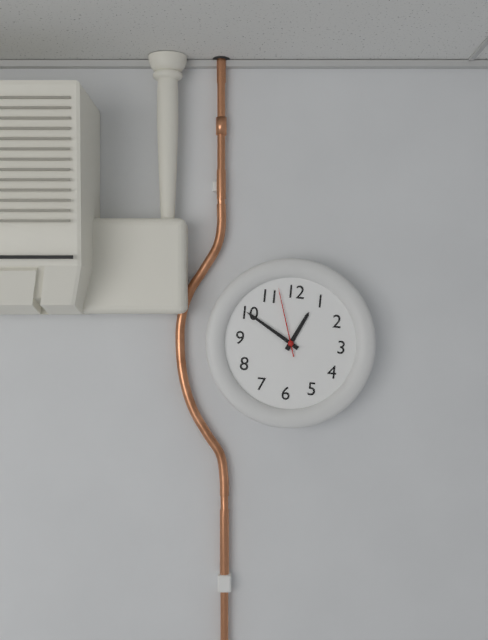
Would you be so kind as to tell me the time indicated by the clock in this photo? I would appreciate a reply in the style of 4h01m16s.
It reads 12h50m57s
